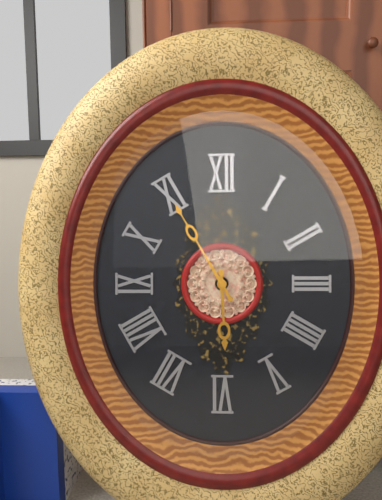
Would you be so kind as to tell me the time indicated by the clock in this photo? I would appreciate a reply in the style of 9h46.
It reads 5h55
